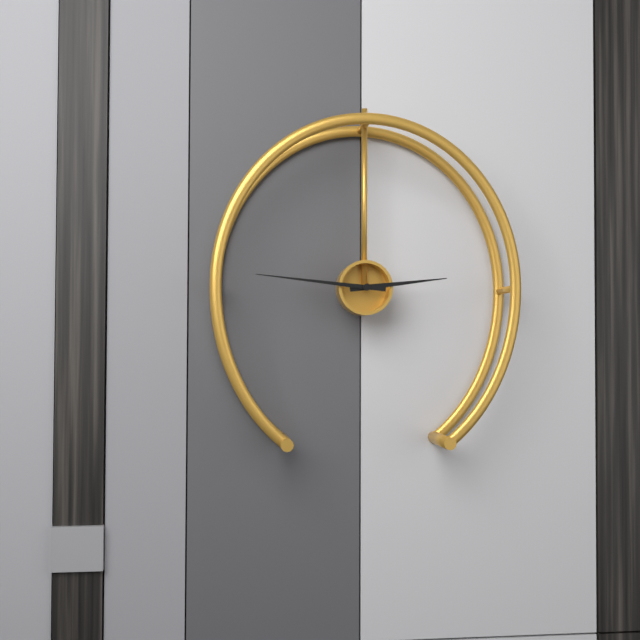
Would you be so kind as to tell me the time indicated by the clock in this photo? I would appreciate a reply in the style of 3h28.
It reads 2h46
